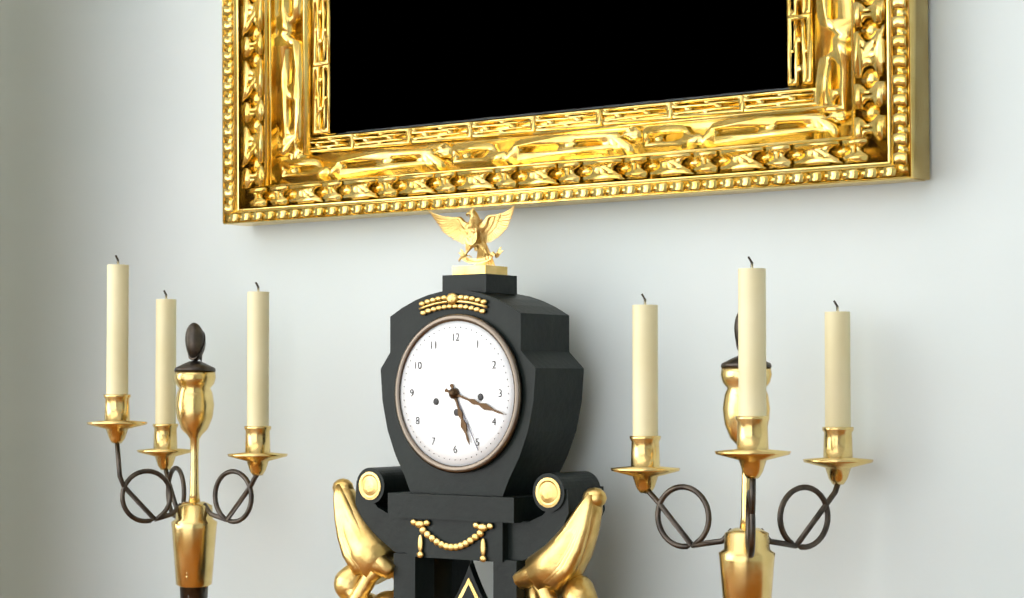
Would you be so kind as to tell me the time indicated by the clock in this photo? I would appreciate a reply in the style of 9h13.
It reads 5h18
